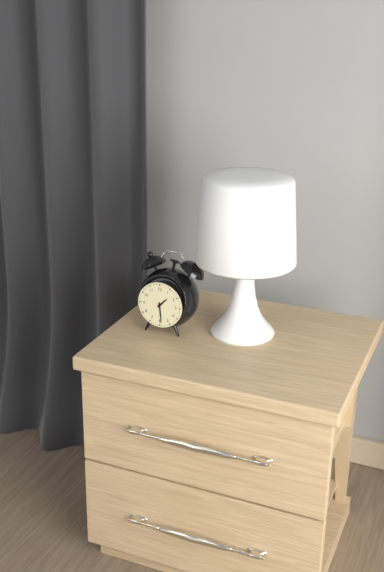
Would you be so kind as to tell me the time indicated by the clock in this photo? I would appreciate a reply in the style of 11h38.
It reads 1h29
